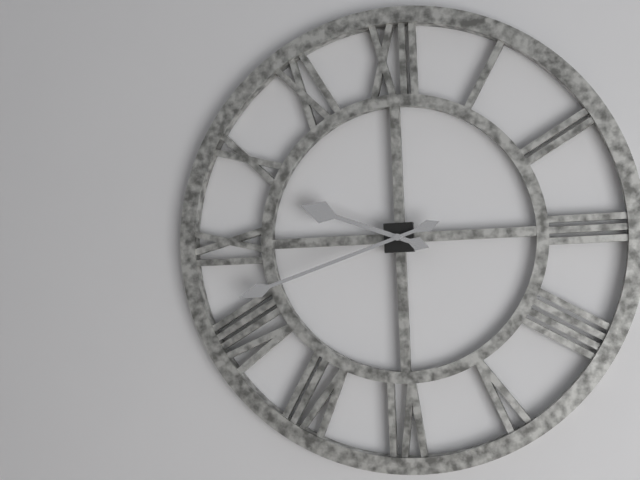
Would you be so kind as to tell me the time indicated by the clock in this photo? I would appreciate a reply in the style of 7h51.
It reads 9h42
